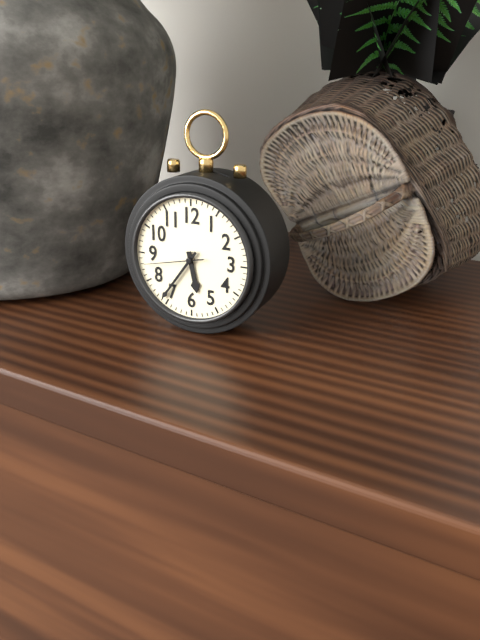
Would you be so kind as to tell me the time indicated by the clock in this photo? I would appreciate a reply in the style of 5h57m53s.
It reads 5h36m43s
